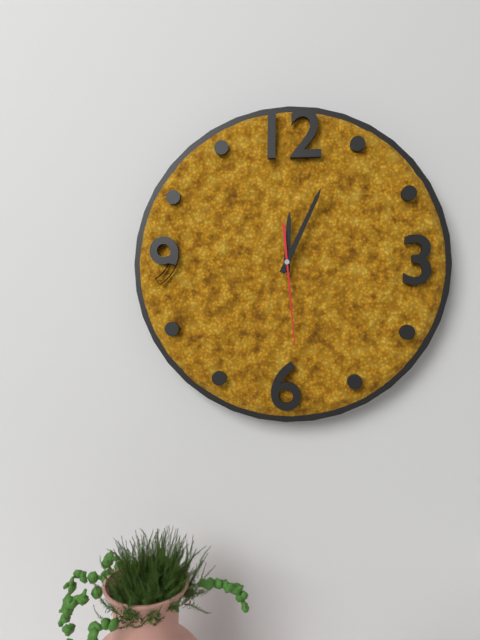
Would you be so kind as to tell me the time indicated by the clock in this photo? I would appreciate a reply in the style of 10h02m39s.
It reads 12h04m29s
